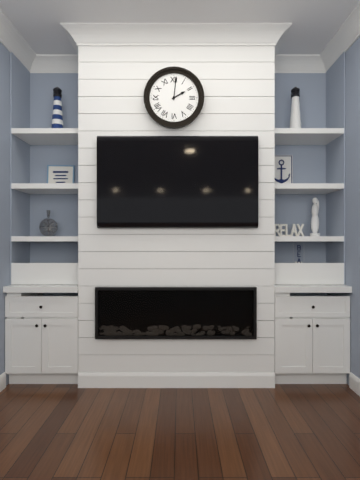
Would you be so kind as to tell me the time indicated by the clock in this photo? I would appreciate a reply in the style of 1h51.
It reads 2h01
